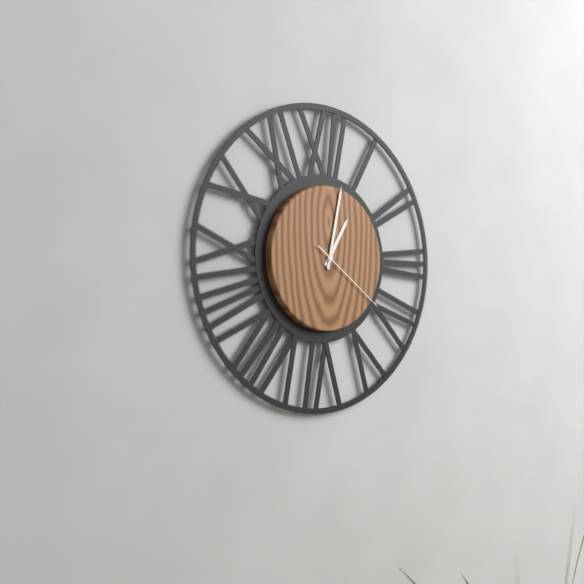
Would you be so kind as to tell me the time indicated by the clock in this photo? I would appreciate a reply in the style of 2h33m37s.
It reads 1h02m21s
